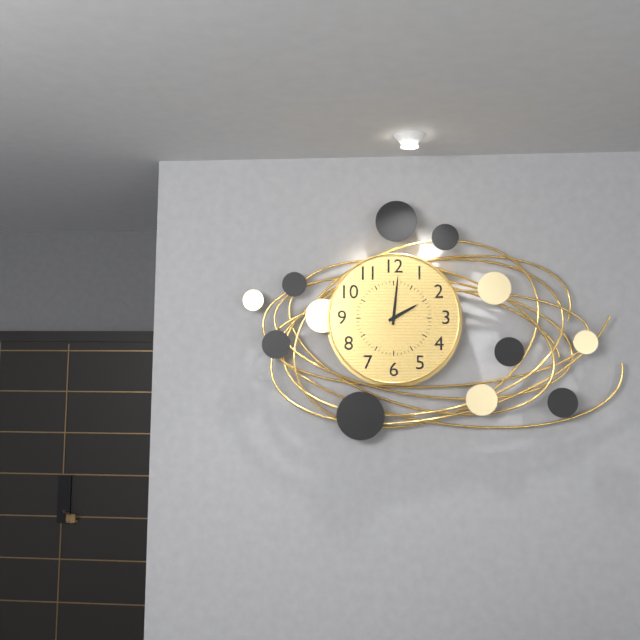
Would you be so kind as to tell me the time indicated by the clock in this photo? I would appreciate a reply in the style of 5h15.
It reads 2h01
